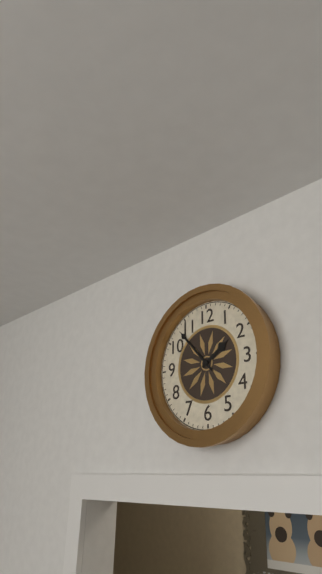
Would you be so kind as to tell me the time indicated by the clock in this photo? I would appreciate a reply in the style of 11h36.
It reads 1h53
